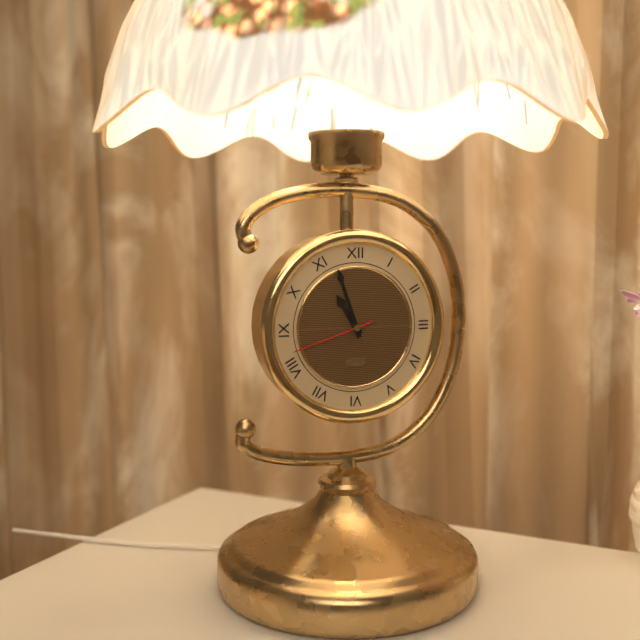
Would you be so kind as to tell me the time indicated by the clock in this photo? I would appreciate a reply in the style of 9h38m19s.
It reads 10h57m42s
